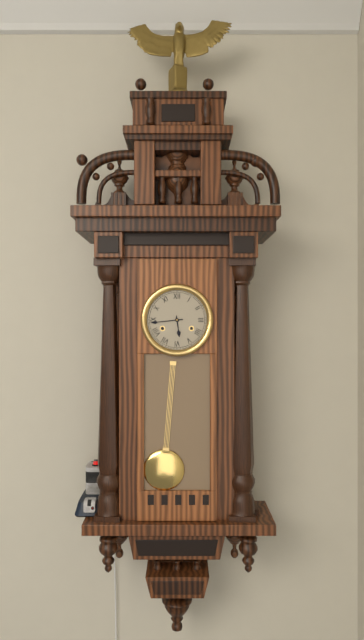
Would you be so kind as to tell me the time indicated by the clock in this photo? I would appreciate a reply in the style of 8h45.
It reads 5h44
